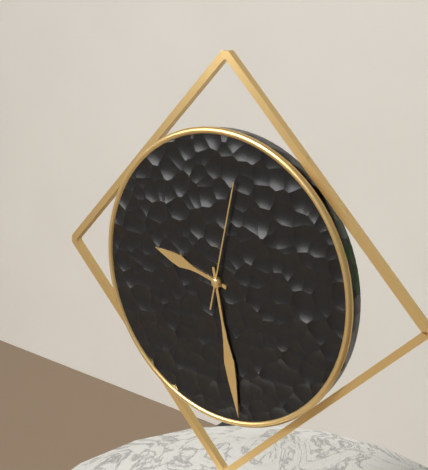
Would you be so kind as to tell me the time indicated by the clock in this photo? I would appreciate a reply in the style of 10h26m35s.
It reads 9h28m02s
